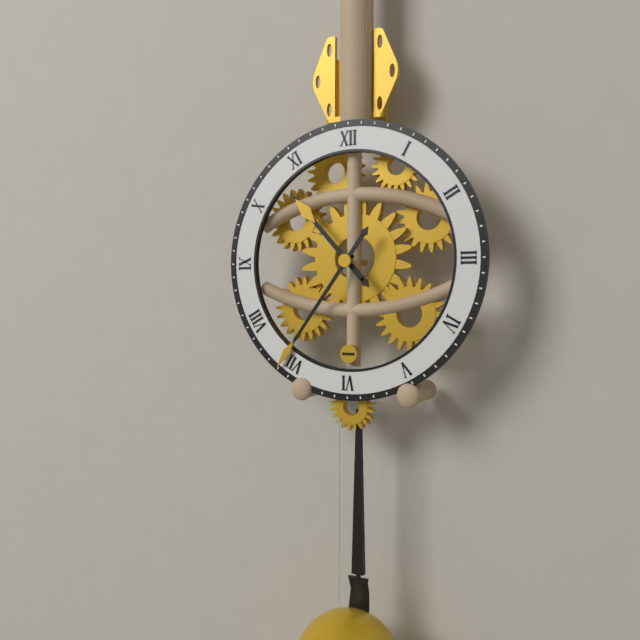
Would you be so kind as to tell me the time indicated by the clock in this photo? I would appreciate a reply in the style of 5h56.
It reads 10h36
